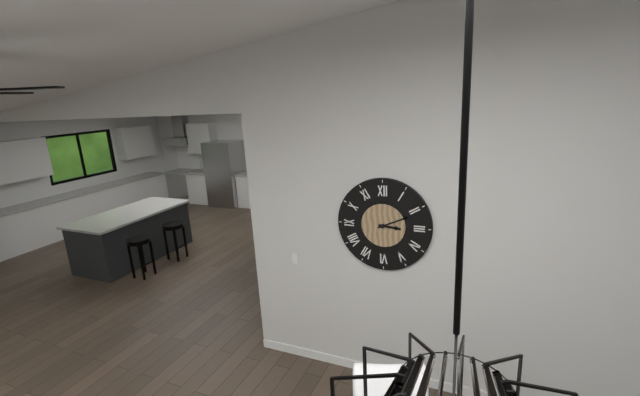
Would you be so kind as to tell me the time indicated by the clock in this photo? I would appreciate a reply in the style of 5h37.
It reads 3h11
